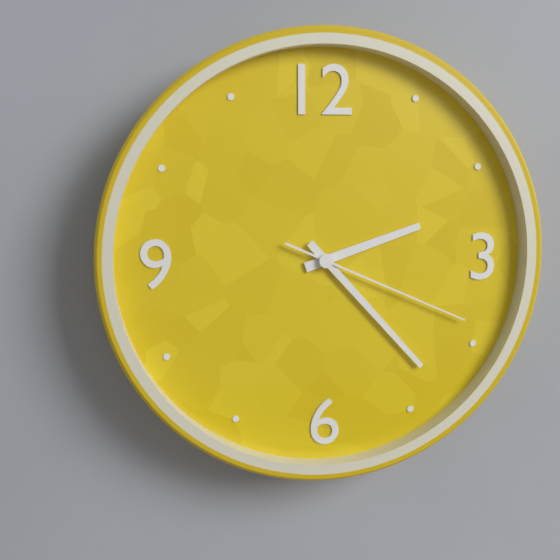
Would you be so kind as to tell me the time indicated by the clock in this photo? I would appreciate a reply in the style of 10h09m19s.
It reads 2h23m19s
